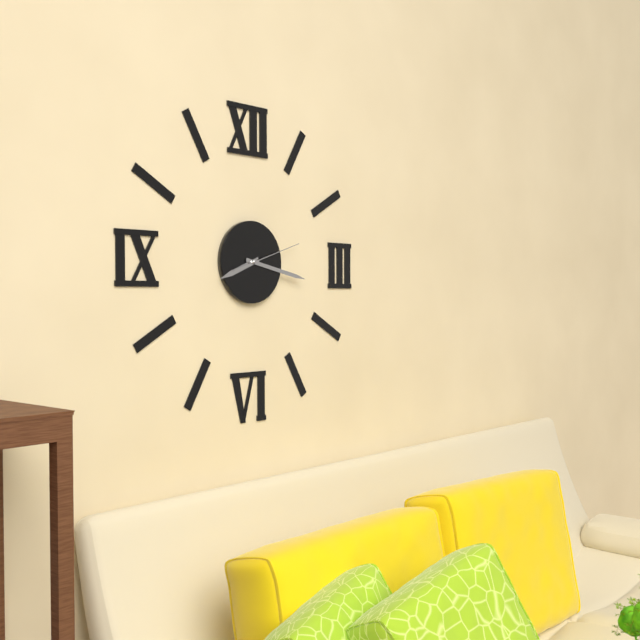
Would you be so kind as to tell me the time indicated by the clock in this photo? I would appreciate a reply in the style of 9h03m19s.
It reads 8h17m12s
